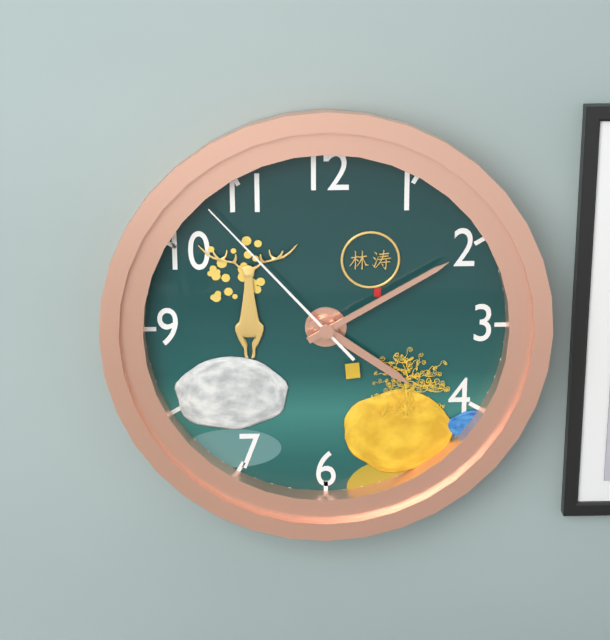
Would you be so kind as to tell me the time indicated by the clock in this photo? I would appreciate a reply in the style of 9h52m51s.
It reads 4h10m53s
